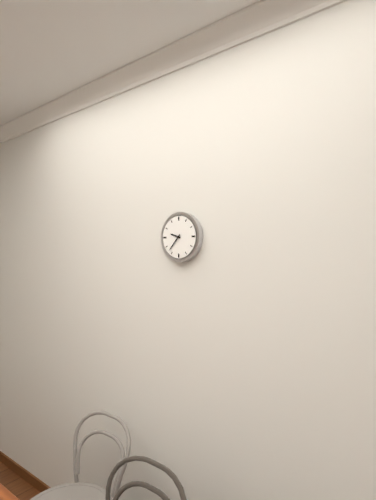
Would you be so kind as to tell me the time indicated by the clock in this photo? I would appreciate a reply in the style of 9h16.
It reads 9h37
